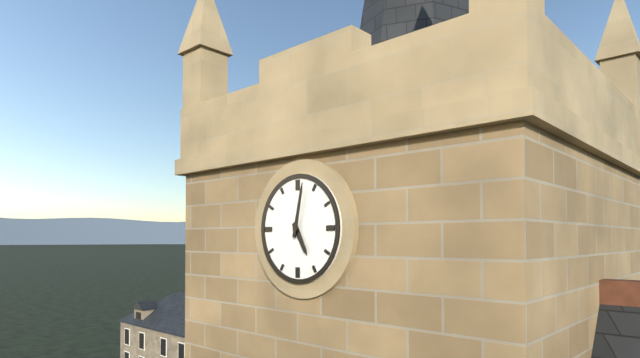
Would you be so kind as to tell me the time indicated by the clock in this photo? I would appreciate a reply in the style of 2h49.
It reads 5h02
